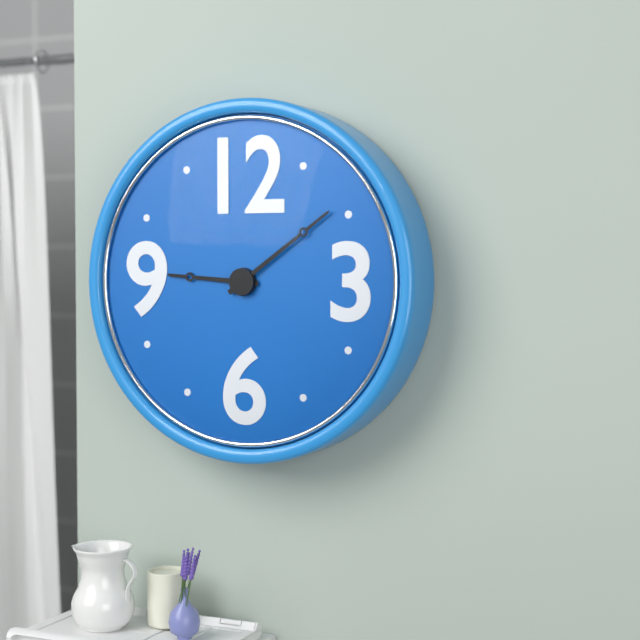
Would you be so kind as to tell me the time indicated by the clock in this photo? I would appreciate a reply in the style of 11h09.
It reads 9h09
